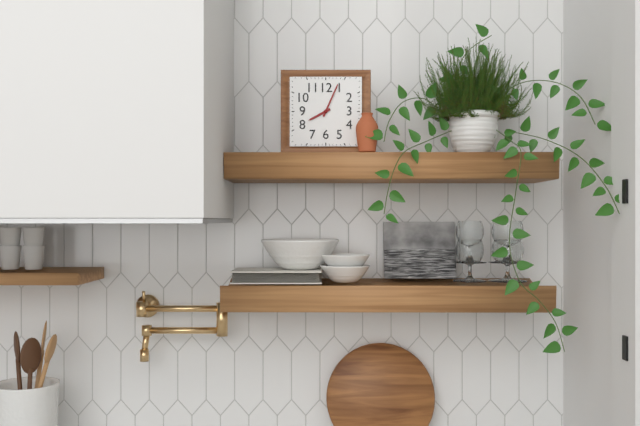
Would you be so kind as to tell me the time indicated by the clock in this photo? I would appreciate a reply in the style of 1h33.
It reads 8h04
